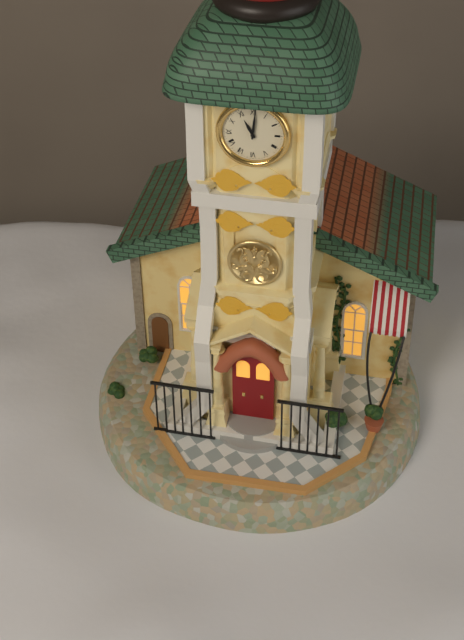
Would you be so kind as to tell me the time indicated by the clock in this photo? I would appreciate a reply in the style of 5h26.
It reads 11h01
